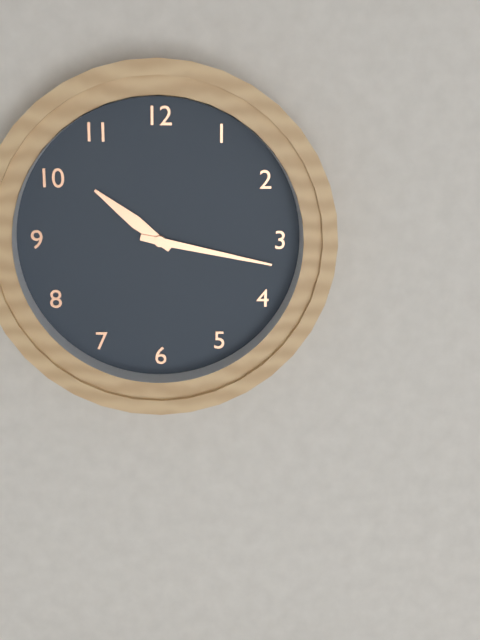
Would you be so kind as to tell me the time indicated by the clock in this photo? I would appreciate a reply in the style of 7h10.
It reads 10h17
